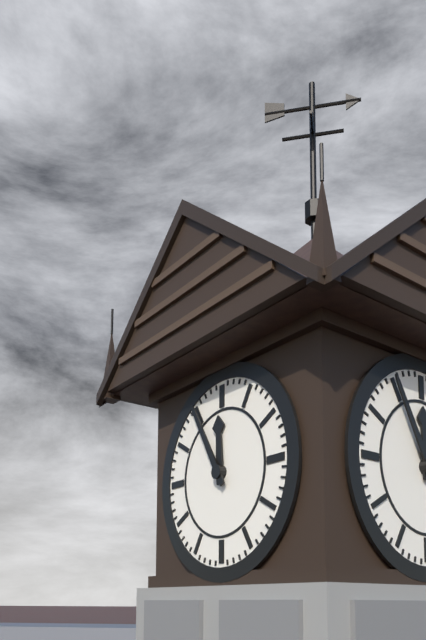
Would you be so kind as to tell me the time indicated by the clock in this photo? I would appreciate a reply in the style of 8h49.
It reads 11h55
